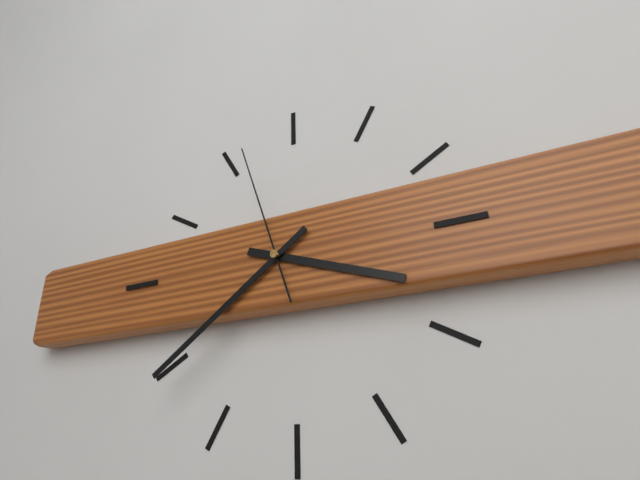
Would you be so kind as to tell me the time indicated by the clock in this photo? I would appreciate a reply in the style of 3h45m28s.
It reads 3h39m57s
